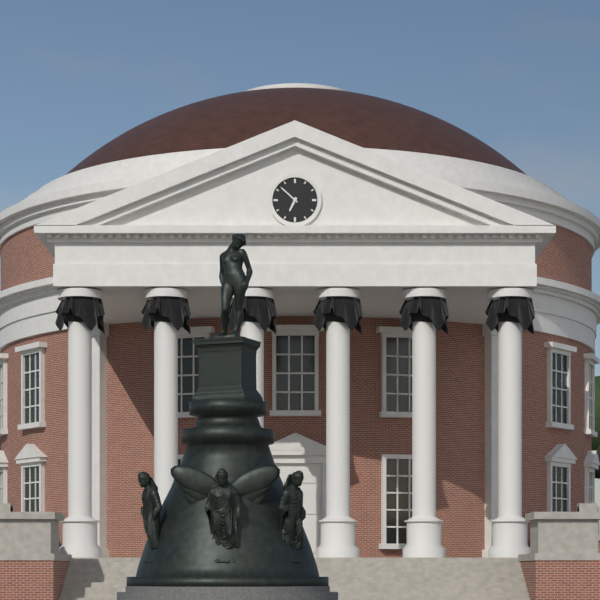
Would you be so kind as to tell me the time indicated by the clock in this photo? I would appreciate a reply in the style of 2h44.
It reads 6h52
